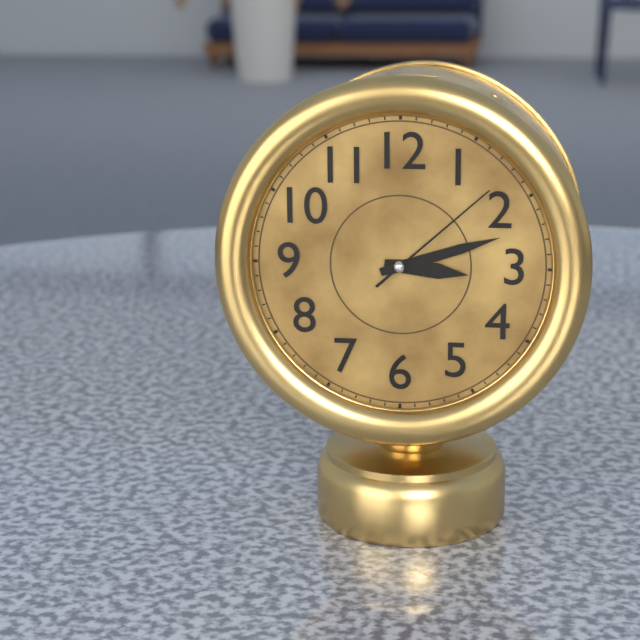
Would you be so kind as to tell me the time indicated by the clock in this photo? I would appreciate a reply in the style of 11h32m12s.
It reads 3h12m08s
